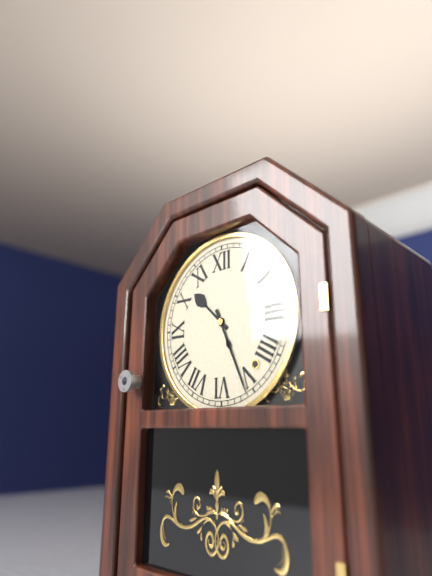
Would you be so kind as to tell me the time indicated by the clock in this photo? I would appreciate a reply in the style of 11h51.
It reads 10h26
